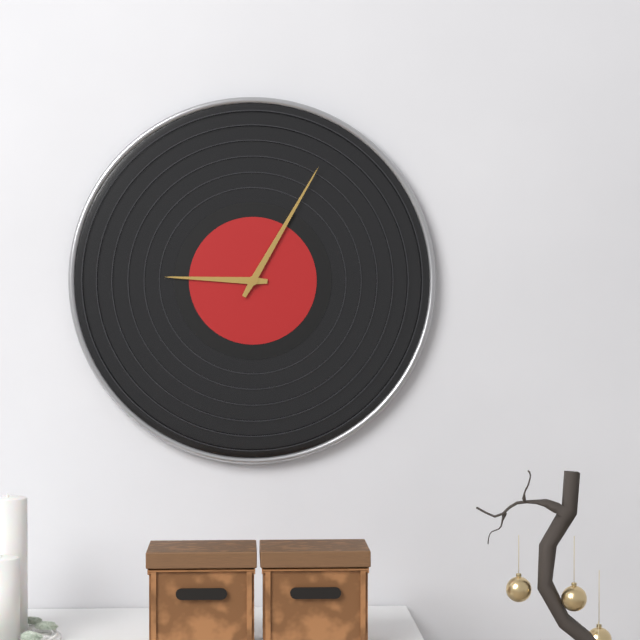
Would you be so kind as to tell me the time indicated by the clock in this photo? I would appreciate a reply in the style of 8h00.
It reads 9h05
